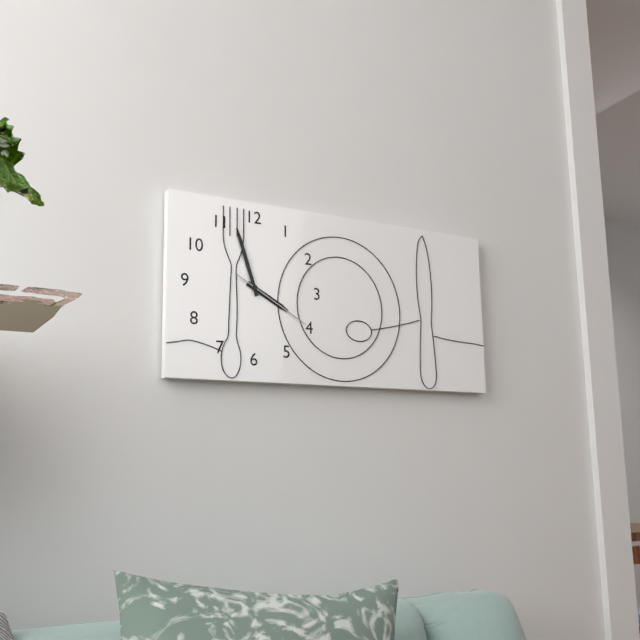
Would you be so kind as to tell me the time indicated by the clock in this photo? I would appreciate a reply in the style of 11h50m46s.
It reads 3h57m20s
